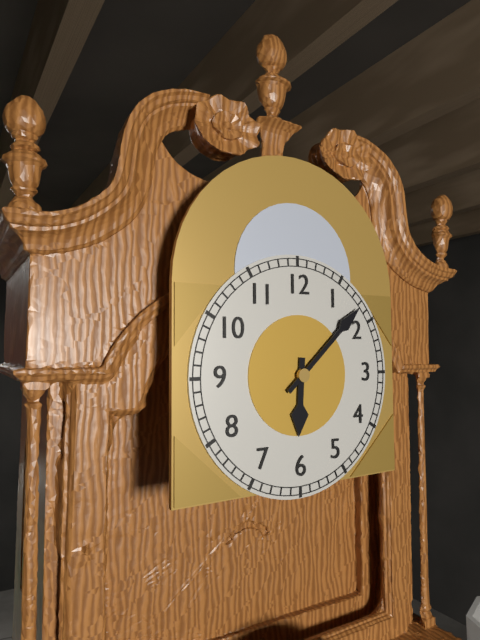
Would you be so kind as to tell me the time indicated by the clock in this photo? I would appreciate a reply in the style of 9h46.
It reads 6h08
